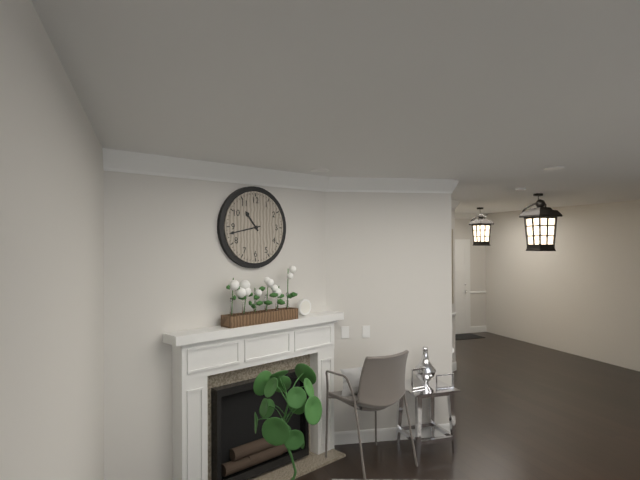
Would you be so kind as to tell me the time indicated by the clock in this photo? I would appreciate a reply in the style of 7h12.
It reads 10h43
